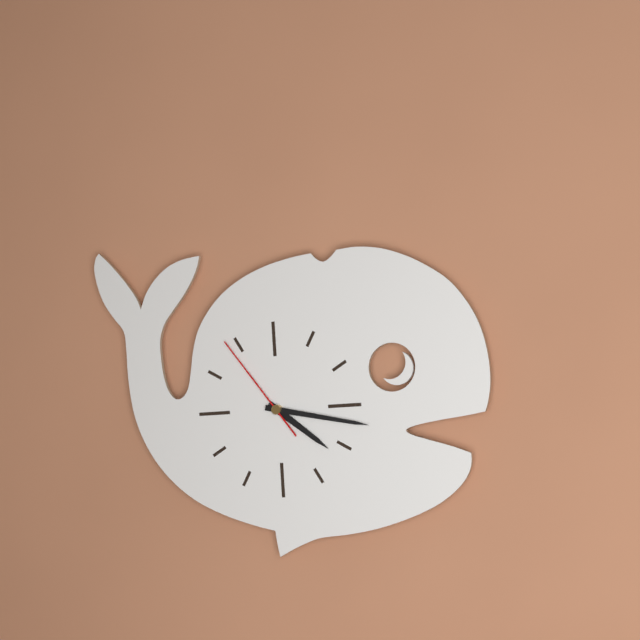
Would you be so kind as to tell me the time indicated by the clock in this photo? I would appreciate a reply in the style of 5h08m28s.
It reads 4h17m54s
